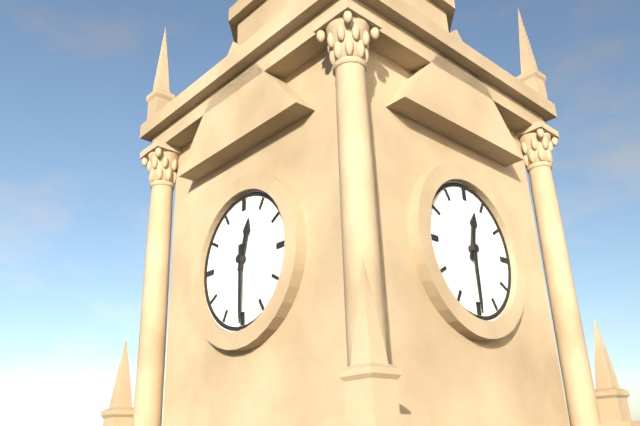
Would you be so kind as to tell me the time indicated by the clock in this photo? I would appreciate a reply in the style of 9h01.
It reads 12h30
